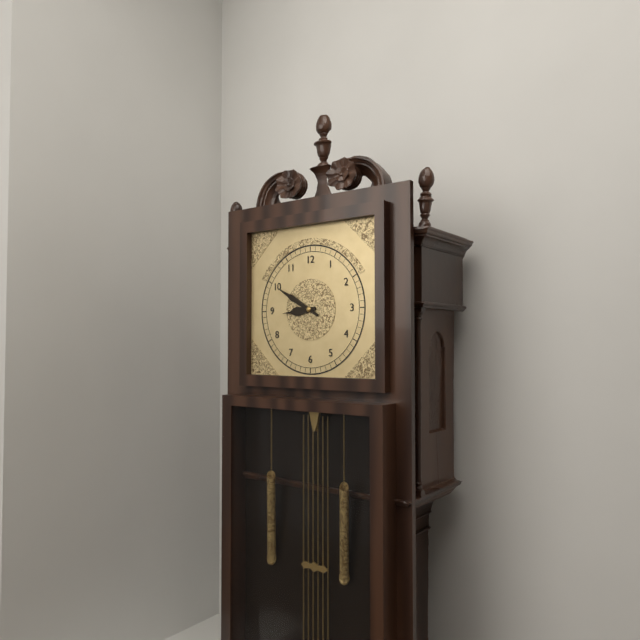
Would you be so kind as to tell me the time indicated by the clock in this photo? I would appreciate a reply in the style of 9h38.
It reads 8h50
